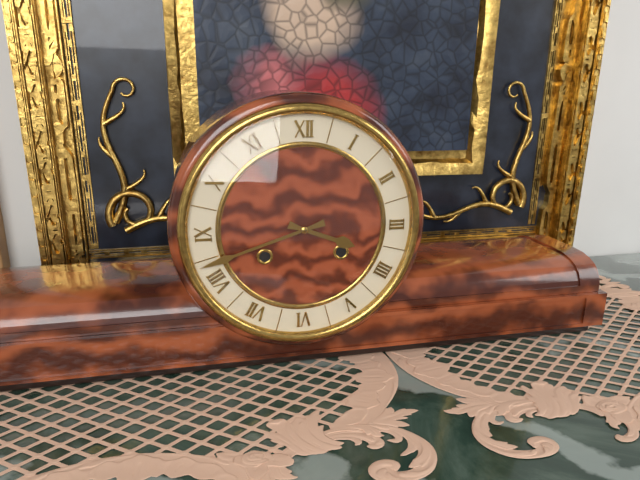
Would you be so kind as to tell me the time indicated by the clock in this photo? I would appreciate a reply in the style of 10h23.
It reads 3h42
